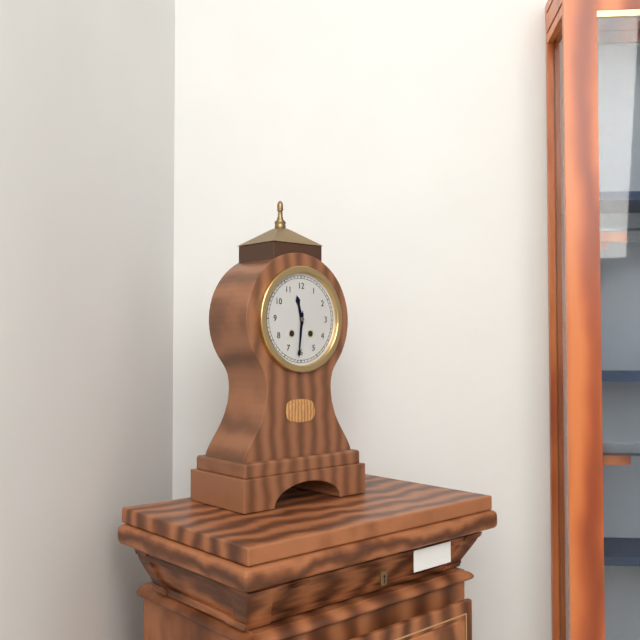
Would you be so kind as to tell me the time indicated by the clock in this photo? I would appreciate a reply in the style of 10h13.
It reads 11h31
